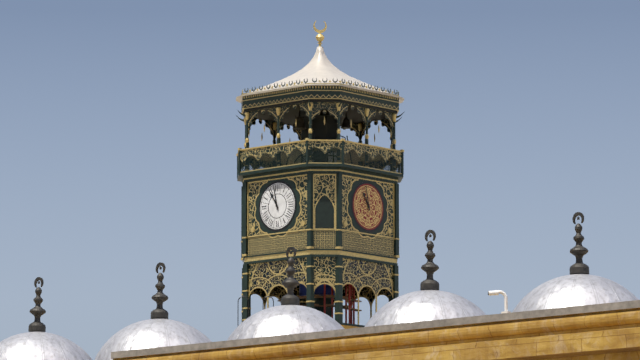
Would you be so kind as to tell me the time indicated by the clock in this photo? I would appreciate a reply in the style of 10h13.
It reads 10h58
